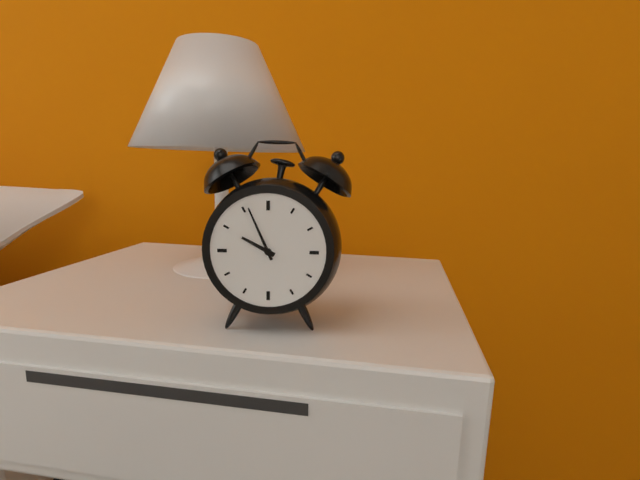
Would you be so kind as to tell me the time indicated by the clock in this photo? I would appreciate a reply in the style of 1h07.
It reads 9h56
